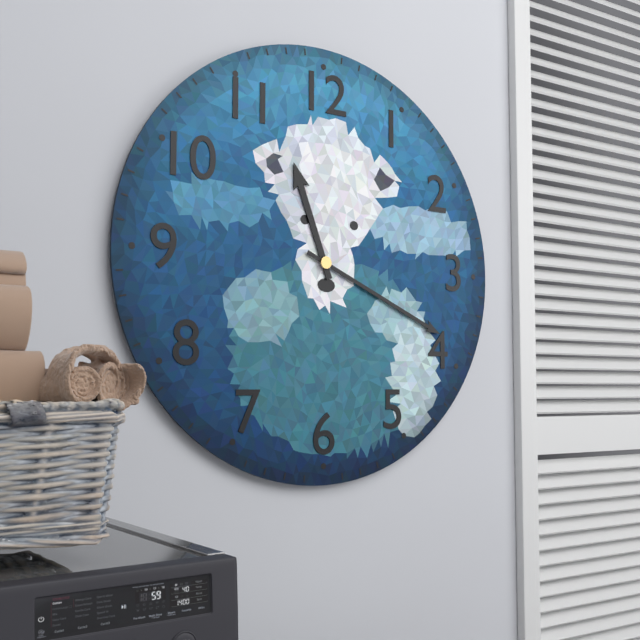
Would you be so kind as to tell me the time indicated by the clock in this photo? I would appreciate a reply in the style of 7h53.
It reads 11h19
